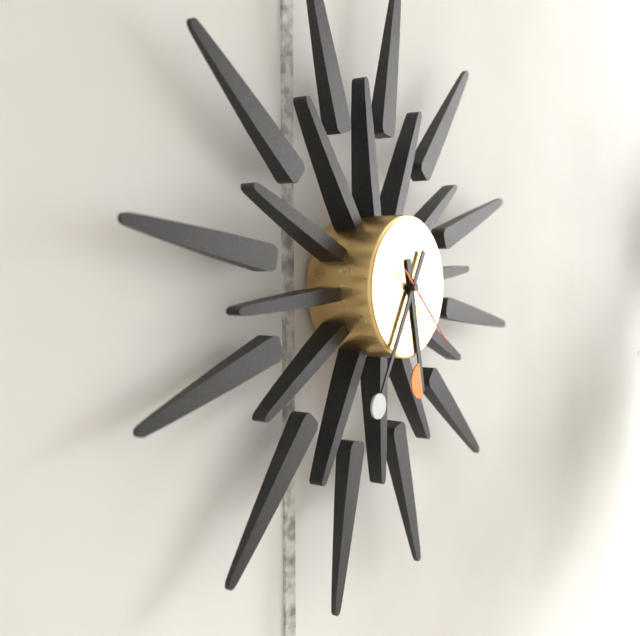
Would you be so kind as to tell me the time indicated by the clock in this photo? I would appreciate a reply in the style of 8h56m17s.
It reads 5h35m22s
